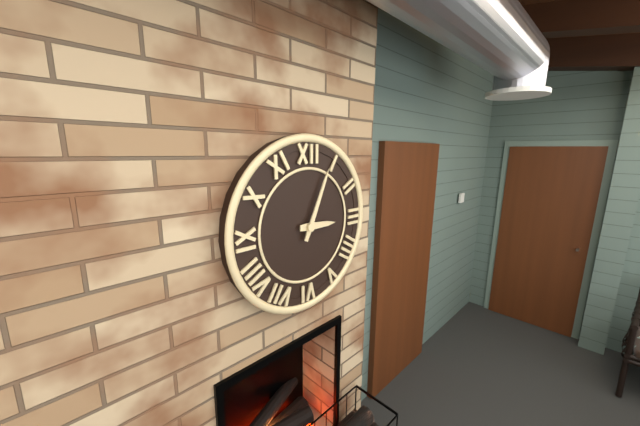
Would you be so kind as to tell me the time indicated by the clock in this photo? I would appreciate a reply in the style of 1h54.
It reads 3h04
